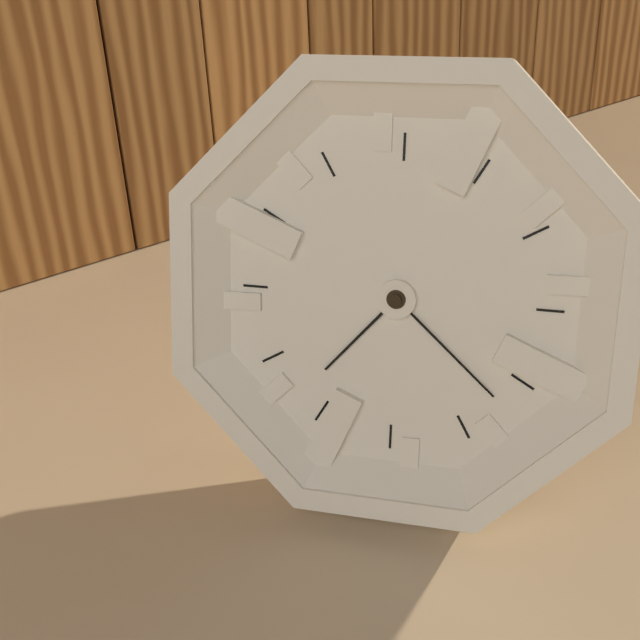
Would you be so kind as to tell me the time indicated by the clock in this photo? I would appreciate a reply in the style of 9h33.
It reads 7h22
